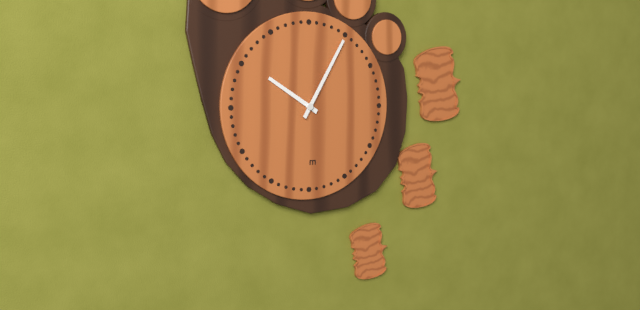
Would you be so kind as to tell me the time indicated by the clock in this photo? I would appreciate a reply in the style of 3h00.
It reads 10h05
